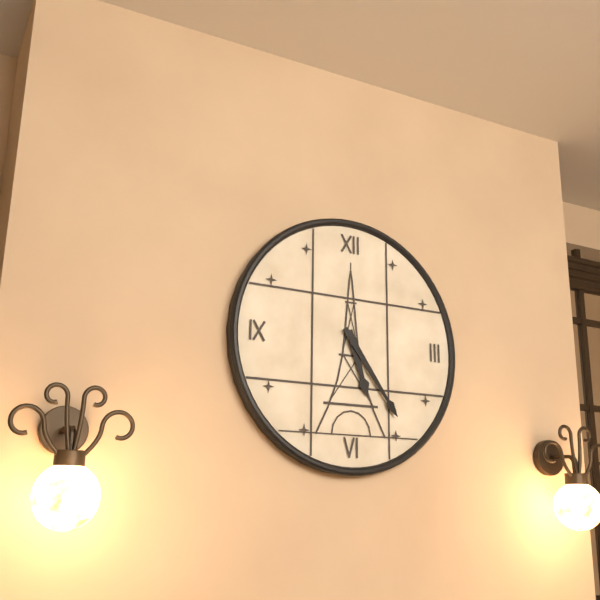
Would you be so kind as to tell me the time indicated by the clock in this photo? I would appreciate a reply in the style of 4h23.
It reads 5h24
